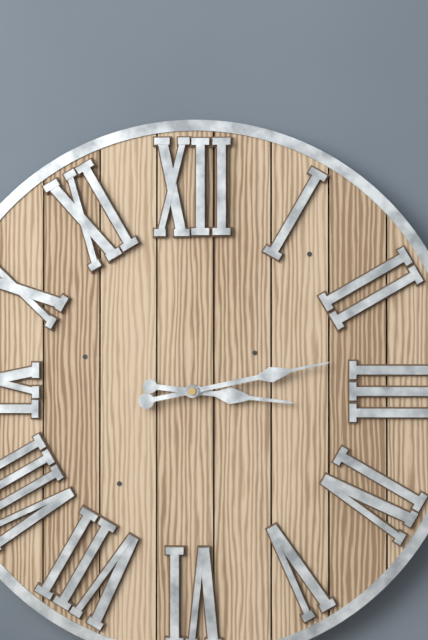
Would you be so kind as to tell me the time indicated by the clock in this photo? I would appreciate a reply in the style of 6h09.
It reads 3h13
